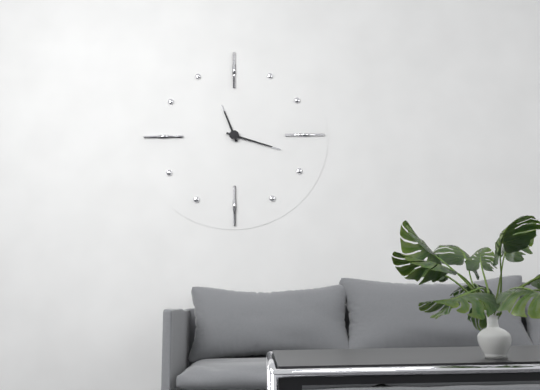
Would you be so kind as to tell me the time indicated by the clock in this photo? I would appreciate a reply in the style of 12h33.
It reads 11h18
